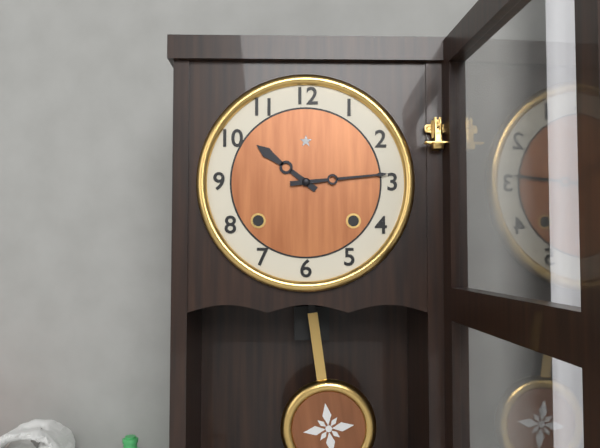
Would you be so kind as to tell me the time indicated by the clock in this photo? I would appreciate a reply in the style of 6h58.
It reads 10h14
